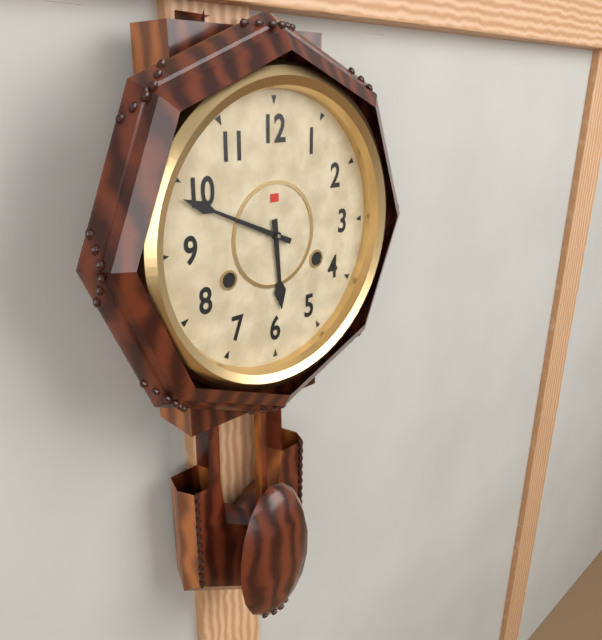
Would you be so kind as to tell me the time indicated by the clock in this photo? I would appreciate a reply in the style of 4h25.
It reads 5h49
